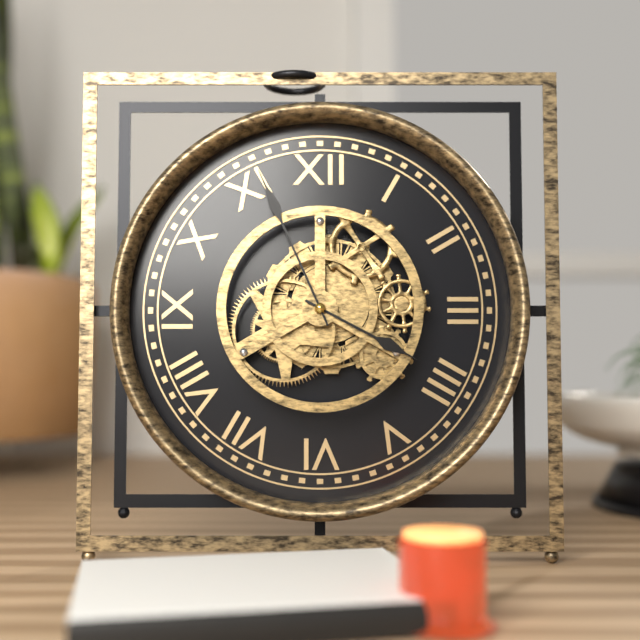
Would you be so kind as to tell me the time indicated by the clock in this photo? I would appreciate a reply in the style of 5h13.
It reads 3h56
